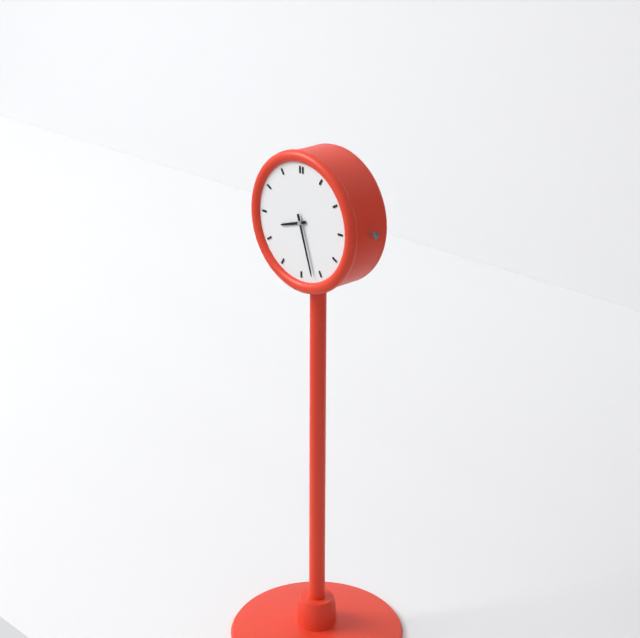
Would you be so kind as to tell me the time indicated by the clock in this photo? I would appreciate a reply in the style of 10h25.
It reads 8h27
